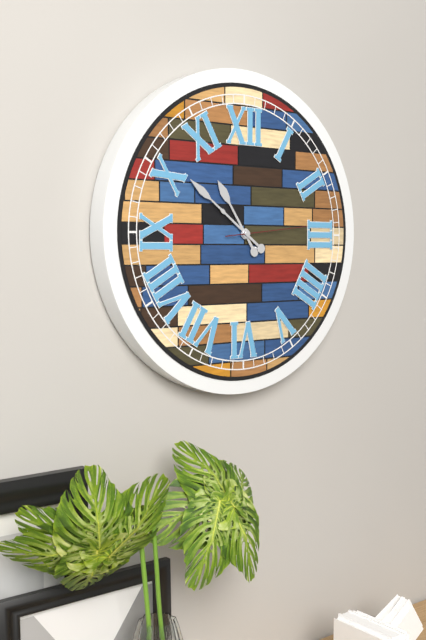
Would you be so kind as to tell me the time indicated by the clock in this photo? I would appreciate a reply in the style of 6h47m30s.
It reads 10h51m14s
